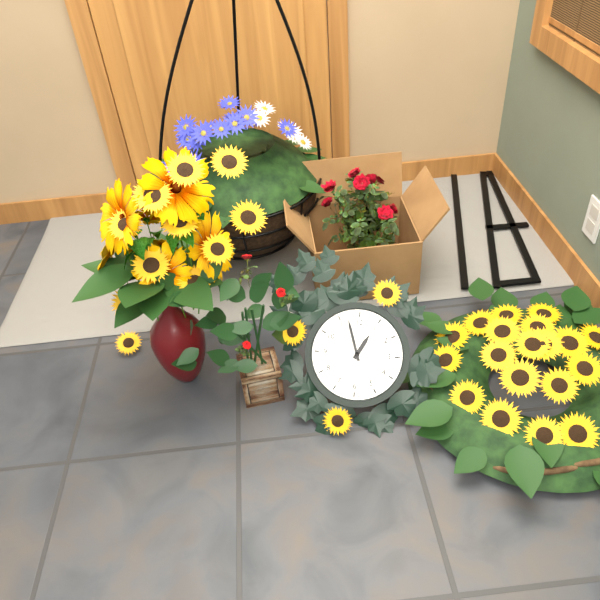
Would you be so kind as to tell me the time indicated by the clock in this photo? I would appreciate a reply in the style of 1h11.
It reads 12h57
